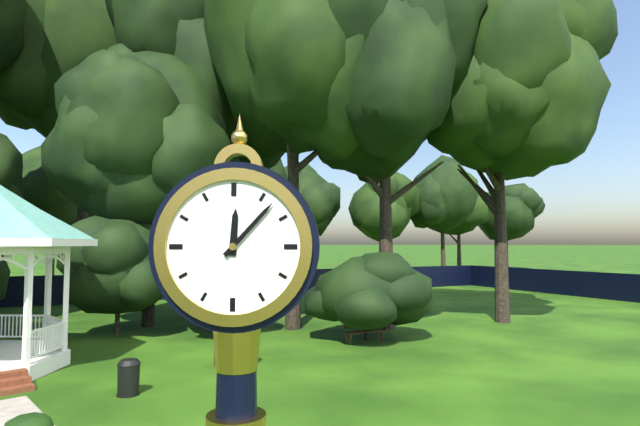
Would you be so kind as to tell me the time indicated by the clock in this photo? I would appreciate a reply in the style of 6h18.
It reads 12h07
